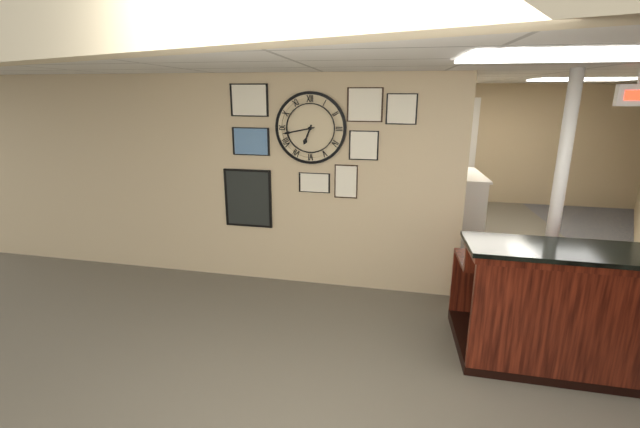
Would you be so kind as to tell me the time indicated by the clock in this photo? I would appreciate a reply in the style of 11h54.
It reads 6h43
